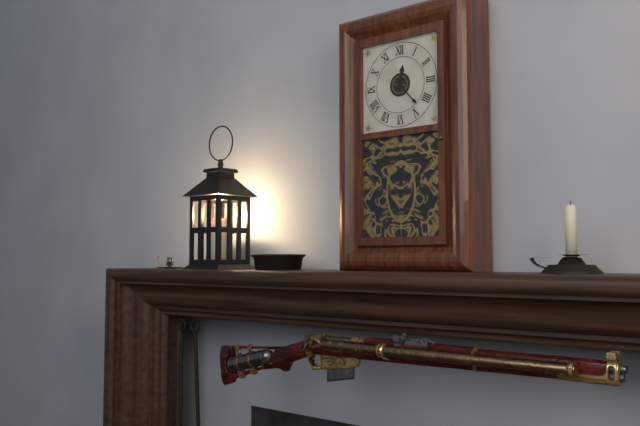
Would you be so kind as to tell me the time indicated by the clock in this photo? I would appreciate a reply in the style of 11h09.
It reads 12h23
